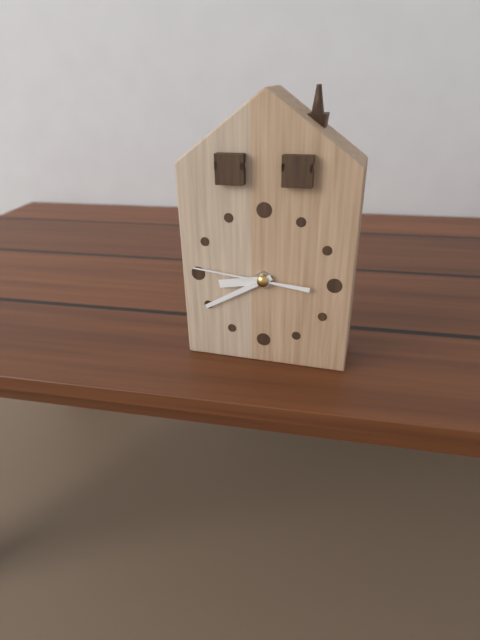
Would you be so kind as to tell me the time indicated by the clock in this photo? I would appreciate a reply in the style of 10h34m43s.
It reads 8h40m46s
